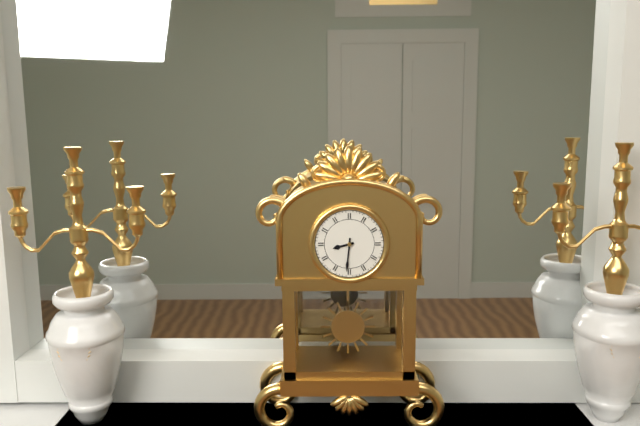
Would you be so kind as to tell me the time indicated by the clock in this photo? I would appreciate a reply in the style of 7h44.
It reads 8h31
